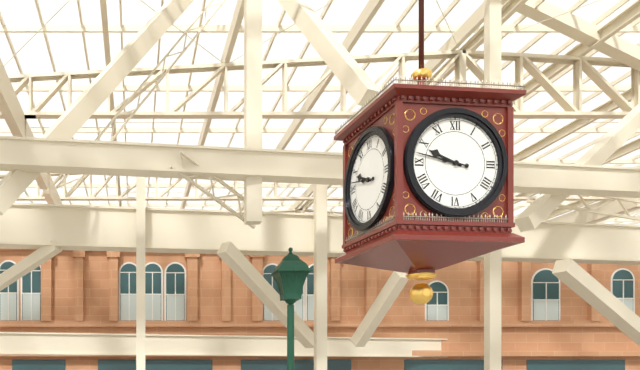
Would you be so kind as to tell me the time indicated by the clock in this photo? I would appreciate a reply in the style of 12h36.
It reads 9h47
